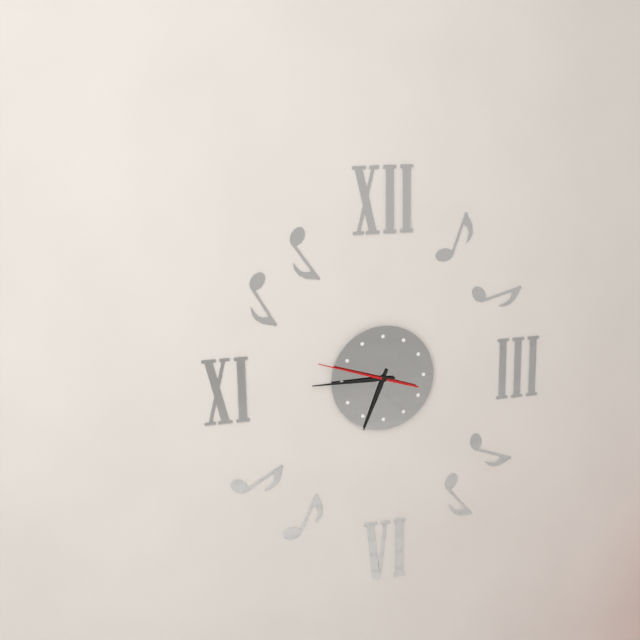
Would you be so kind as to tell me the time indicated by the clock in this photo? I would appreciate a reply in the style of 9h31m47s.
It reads 6h45m48s
